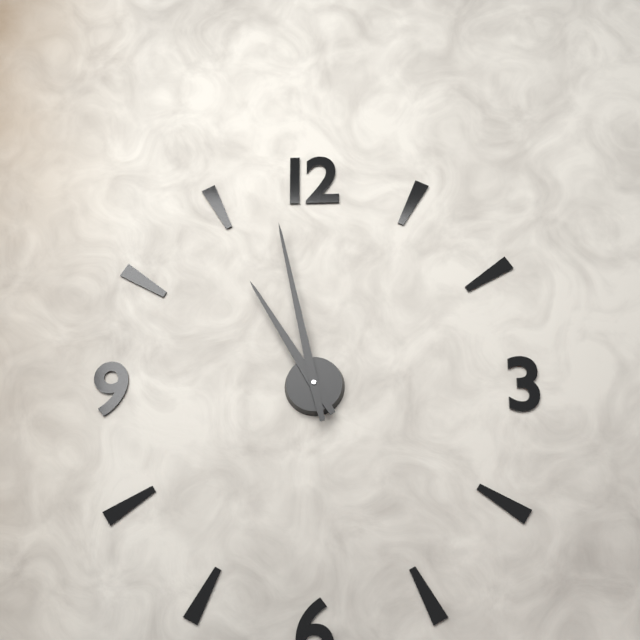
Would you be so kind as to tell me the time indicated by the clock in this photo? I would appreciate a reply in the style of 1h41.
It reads 10h58
